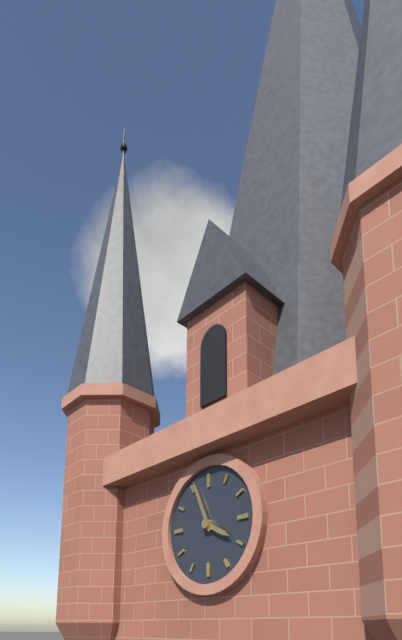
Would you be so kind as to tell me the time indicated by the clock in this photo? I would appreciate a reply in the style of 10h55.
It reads 3h56
